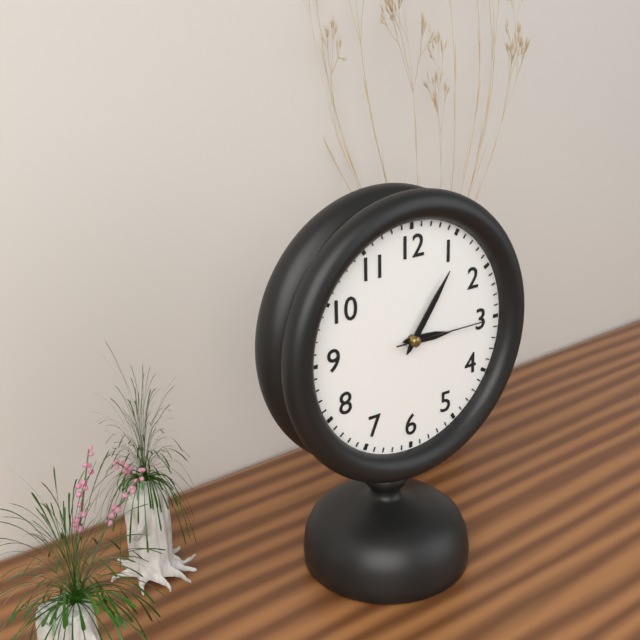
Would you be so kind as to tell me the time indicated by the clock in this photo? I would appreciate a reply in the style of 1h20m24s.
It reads 3h06m15s
